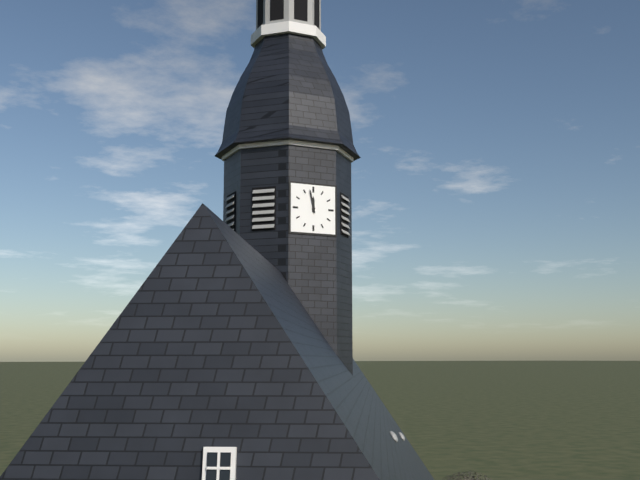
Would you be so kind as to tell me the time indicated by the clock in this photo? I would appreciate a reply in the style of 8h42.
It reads 11h58
